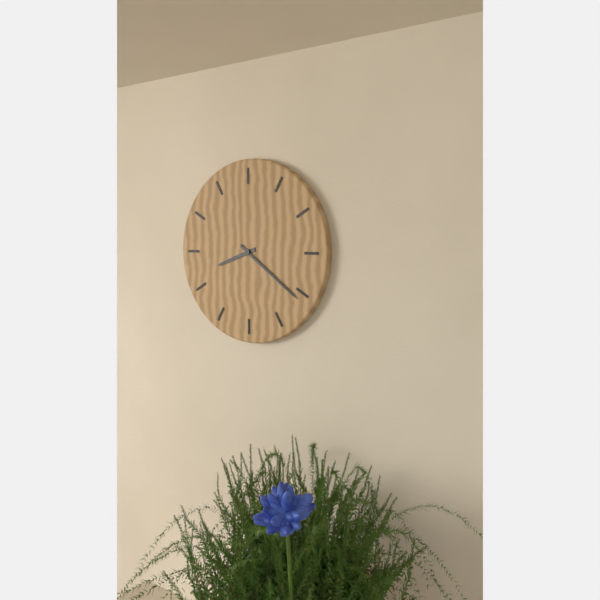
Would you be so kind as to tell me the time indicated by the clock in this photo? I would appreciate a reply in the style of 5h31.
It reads 8h21
